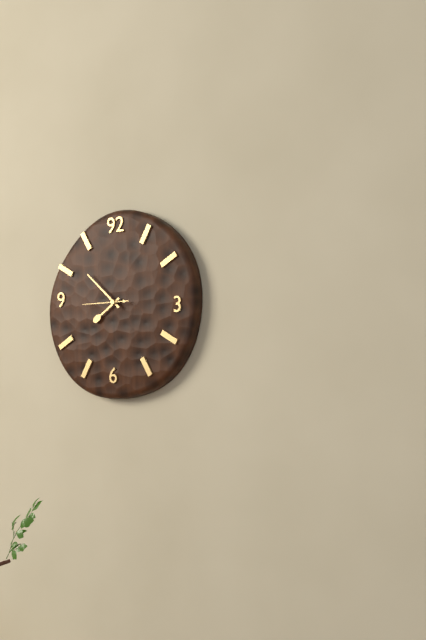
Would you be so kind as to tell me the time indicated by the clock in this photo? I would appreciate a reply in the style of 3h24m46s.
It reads 7h52m45s
